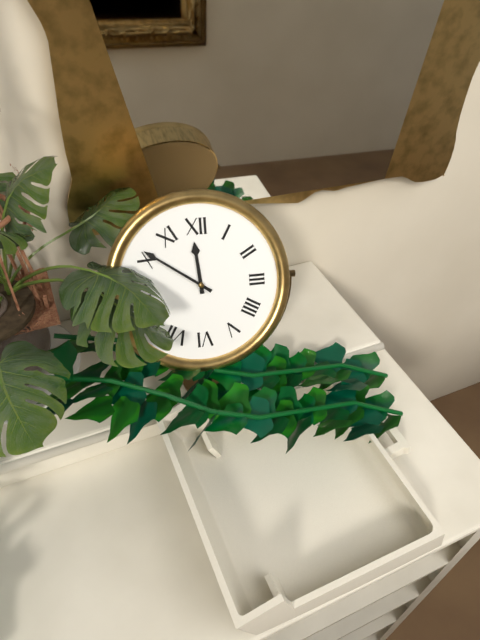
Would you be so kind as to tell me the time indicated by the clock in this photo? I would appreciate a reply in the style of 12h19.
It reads 11h51
